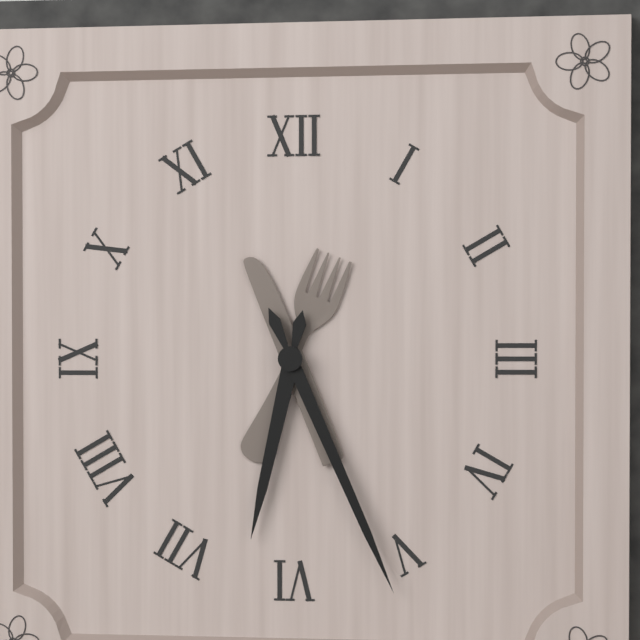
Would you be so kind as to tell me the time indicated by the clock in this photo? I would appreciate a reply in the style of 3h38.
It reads 6h26
